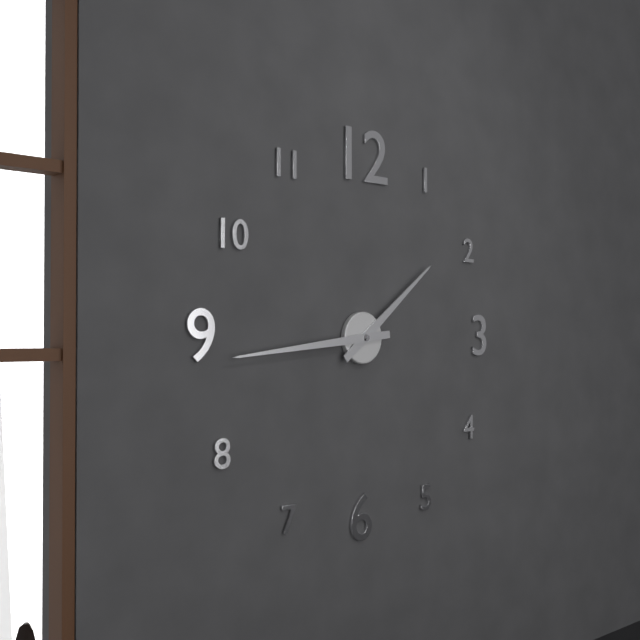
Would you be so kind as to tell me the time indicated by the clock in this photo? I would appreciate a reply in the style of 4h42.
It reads 1h44
